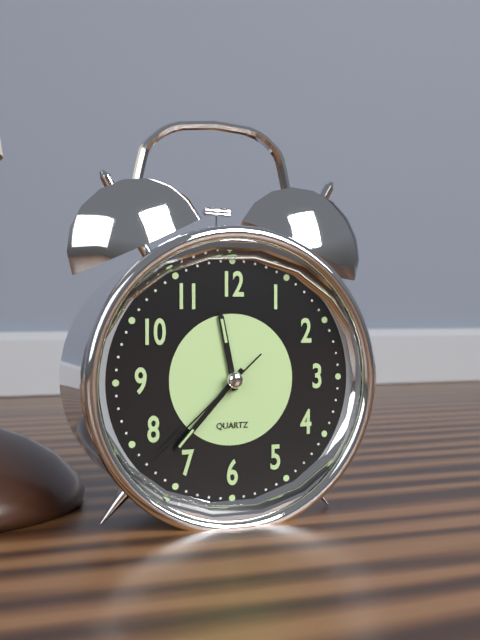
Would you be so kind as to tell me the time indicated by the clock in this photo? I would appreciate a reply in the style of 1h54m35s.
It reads 11h37m38s
